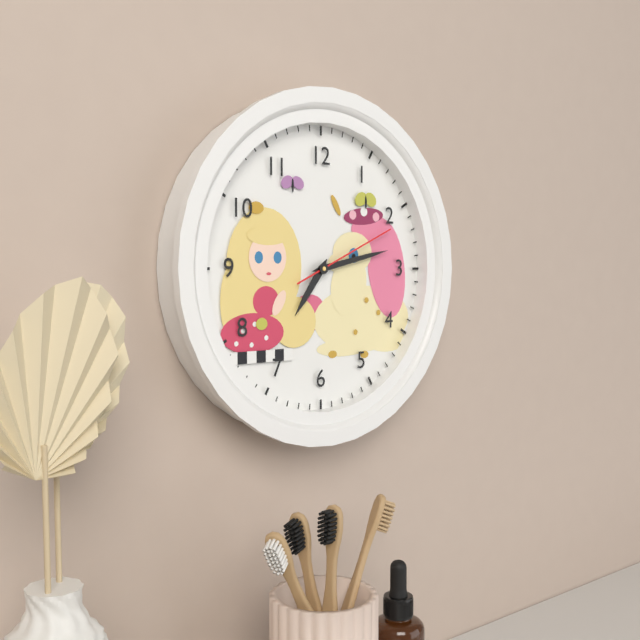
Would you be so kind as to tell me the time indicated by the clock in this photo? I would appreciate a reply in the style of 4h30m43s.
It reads 7h13m11s
